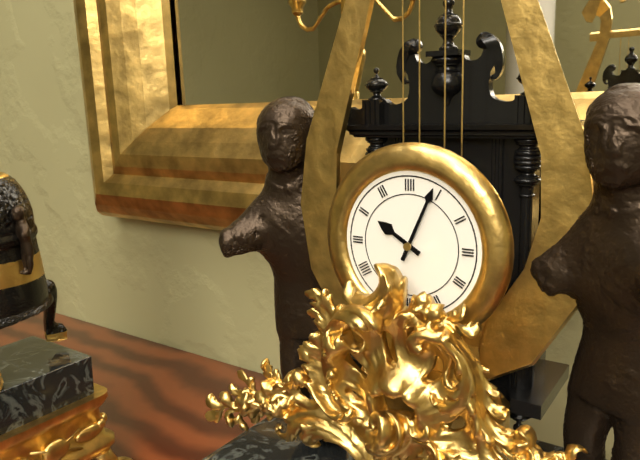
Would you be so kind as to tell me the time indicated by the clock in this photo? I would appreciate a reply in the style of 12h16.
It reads 10h04
